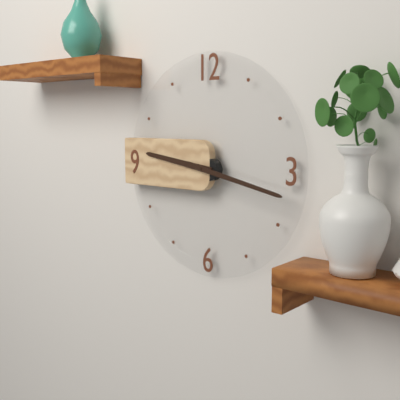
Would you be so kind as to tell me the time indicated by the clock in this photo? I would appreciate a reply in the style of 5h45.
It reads 9h17
